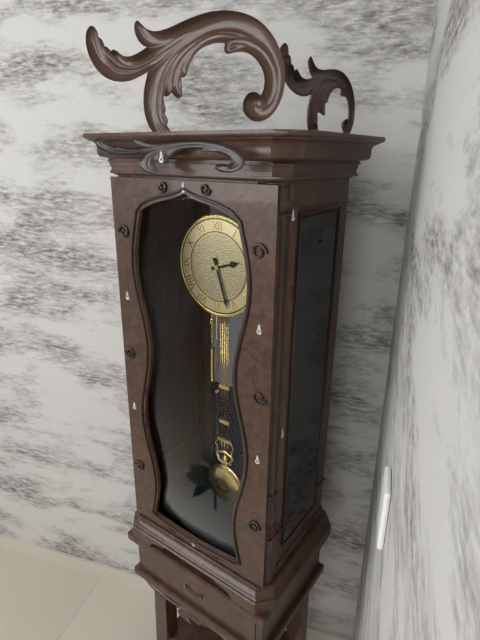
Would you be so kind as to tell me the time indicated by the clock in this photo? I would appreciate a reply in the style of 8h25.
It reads 2h27
